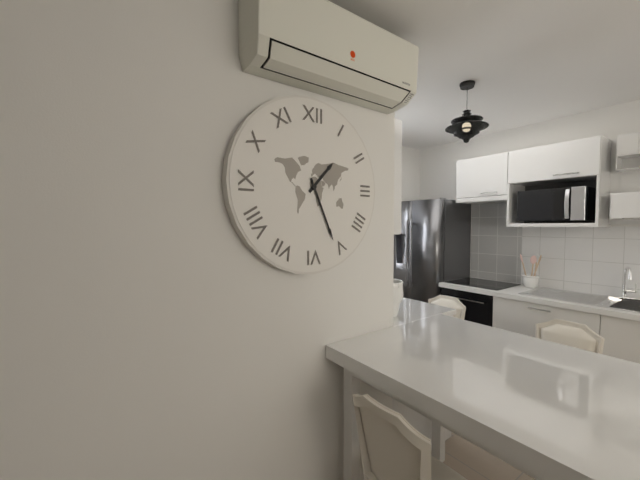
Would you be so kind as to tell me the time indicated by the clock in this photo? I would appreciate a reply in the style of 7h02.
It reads 1h26
